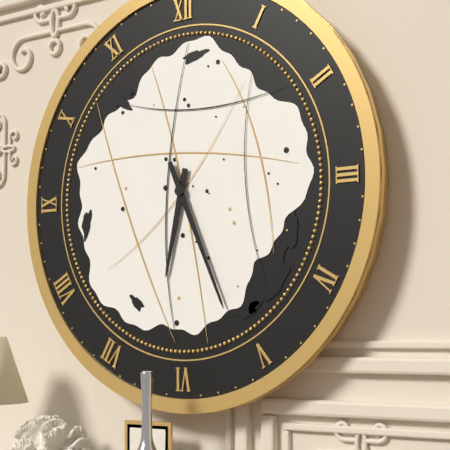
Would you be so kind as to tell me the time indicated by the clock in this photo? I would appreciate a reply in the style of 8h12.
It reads 6h26
